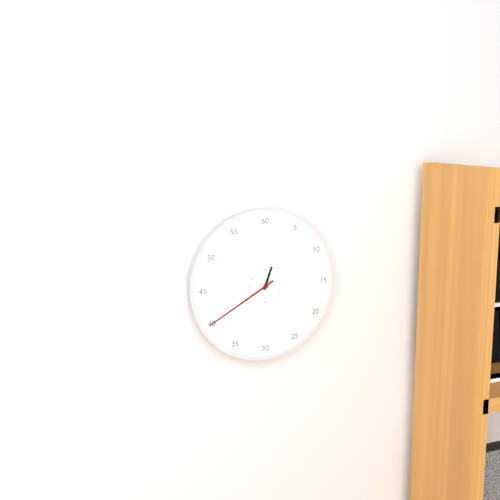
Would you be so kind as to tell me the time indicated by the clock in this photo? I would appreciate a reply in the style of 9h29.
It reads 12h40
